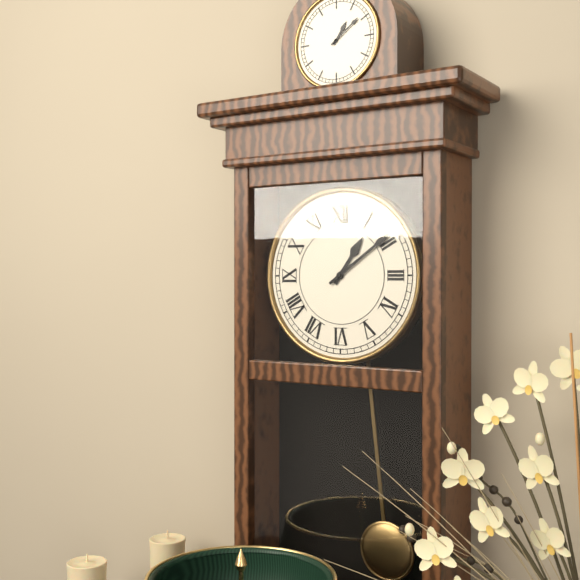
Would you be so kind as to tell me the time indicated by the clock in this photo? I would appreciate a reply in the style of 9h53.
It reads 1h09
